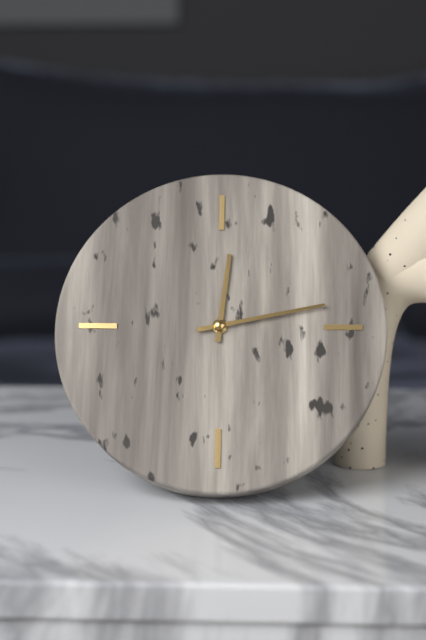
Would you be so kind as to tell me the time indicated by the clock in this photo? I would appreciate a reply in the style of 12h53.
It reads 12h13
